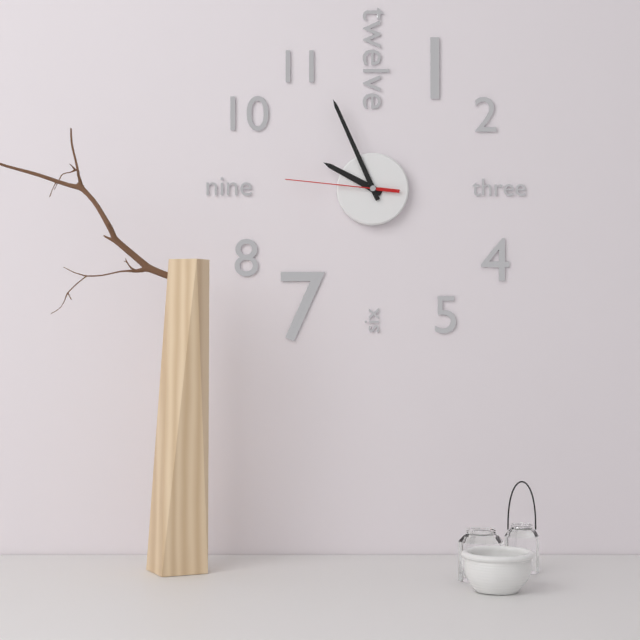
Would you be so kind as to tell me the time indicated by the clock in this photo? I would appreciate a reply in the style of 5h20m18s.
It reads 9h56m46s
